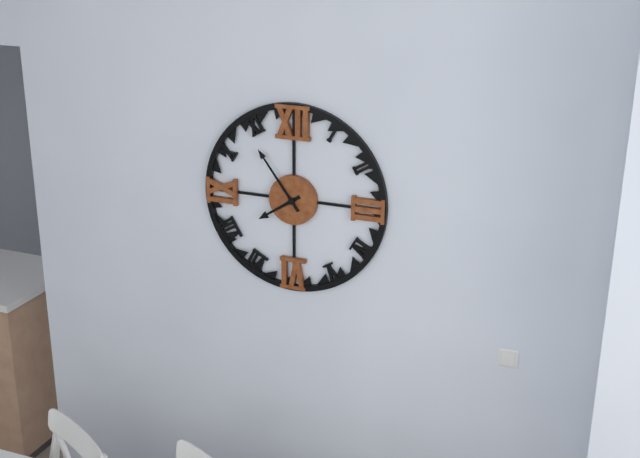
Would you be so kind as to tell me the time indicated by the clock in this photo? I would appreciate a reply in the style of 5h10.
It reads 7h54
